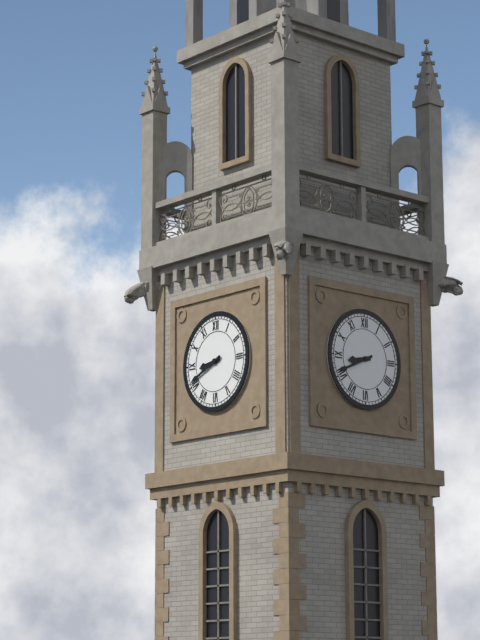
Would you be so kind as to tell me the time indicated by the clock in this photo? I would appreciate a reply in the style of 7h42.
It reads 8h41
